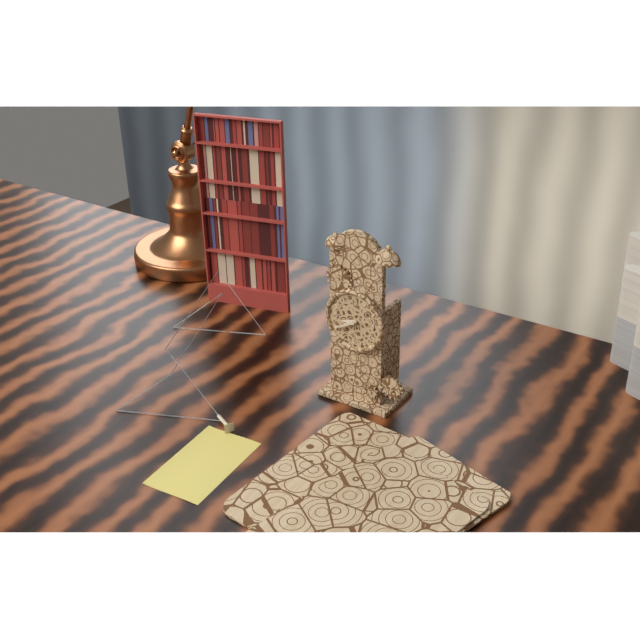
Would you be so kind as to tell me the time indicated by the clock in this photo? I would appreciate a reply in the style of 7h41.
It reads 8h40
